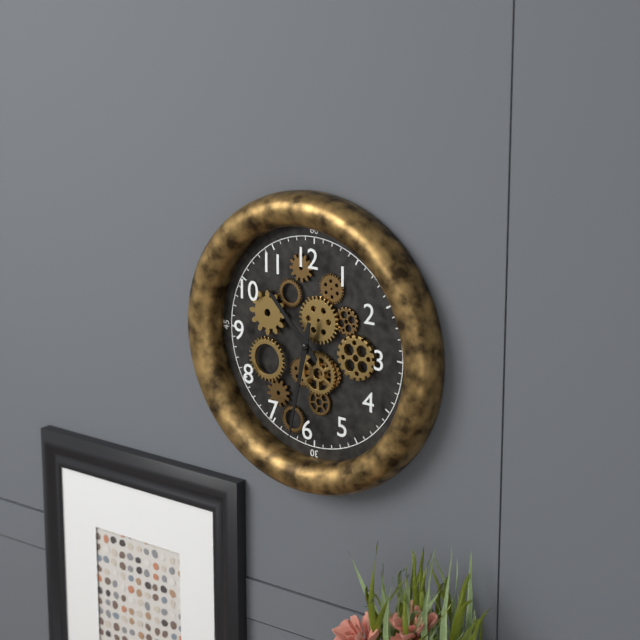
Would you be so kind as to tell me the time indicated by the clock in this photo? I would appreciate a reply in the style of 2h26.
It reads 10h32
